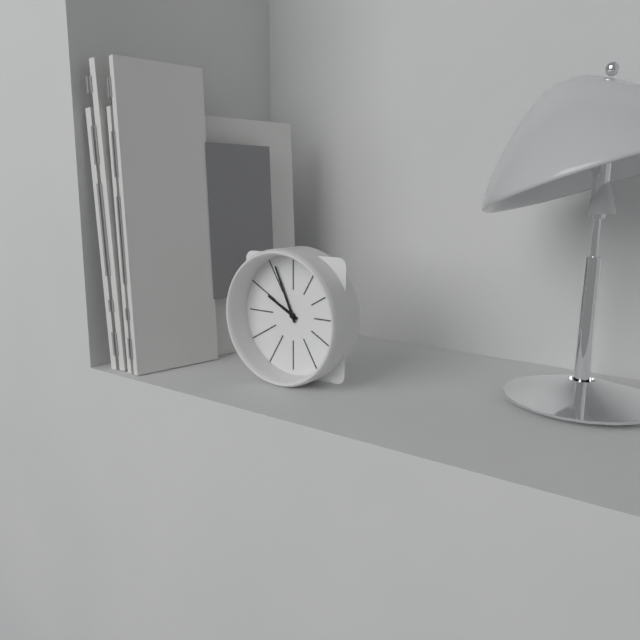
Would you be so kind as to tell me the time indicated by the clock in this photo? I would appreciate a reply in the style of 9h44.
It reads 9h56
